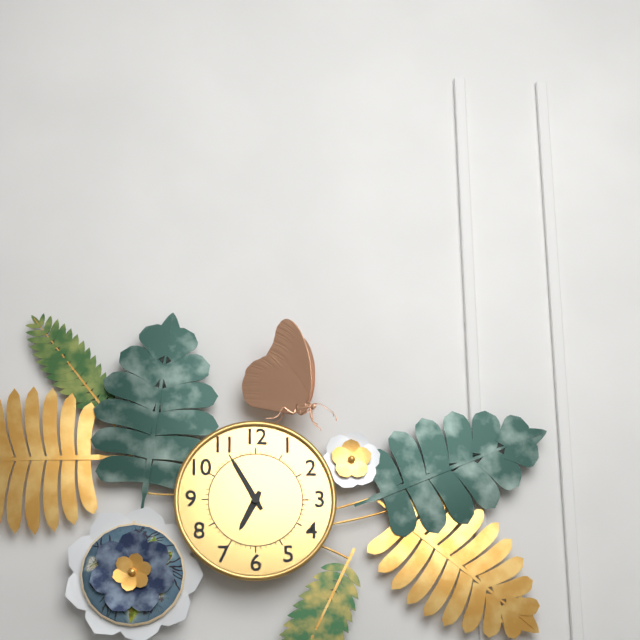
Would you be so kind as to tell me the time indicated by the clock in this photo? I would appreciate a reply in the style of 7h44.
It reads 6h55
